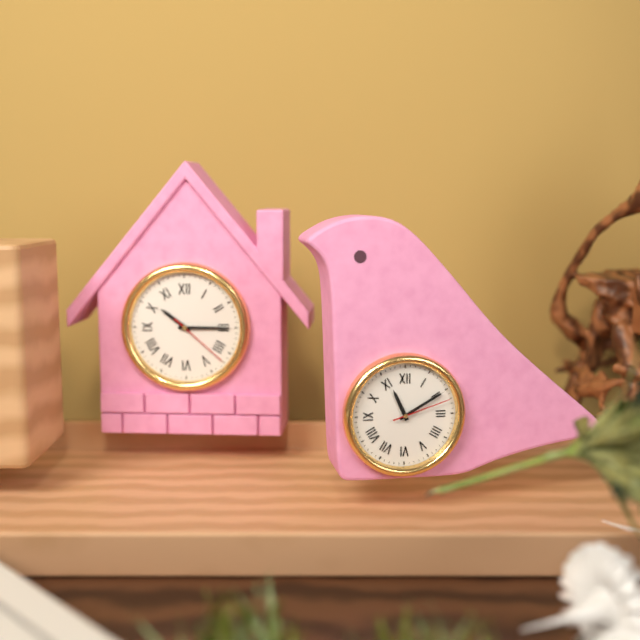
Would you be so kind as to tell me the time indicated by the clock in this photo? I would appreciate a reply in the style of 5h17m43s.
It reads 11h10m12s
